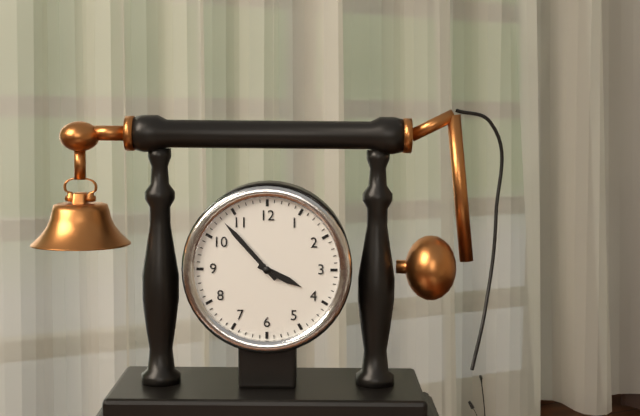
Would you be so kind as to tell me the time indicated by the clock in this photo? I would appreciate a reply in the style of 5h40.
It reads 3h53
